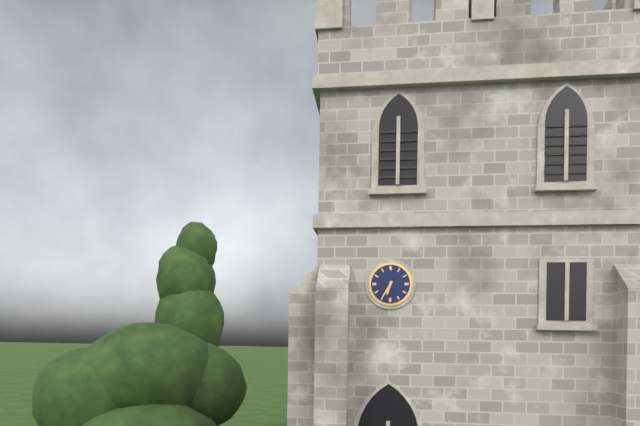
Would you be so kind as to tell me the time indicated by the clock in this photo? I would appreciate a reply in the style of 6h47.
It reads 6h35
